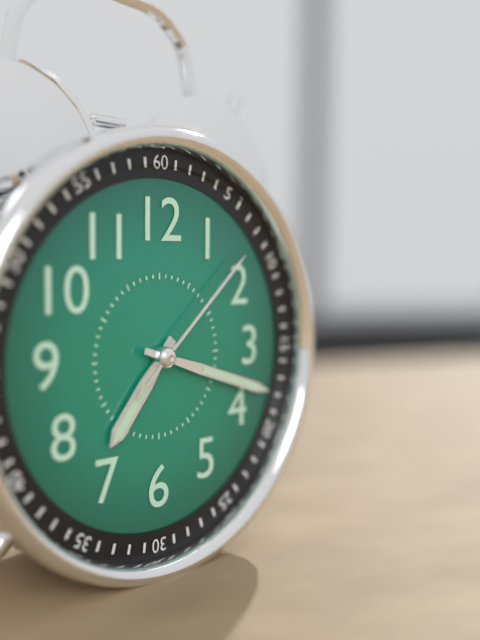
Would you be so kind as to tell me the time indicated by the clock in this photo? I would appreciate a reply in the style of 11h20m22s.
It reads 7h18m08s
